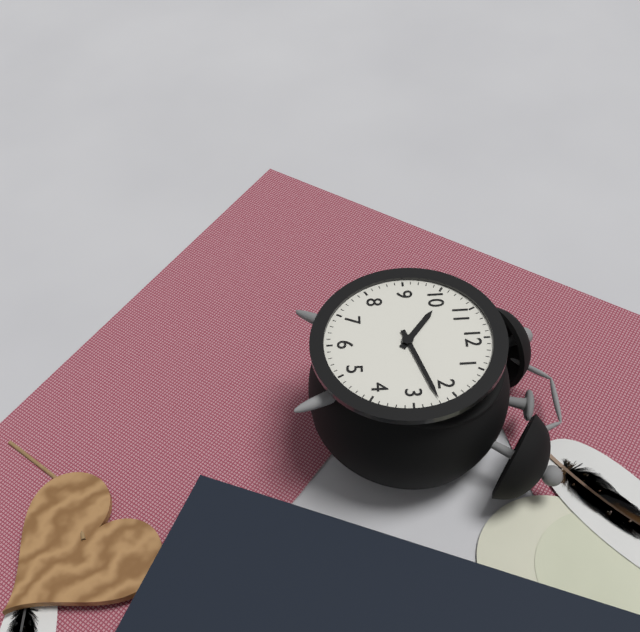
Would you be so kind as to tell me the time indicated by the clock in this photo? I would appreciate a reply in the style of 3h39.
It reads 10h12
